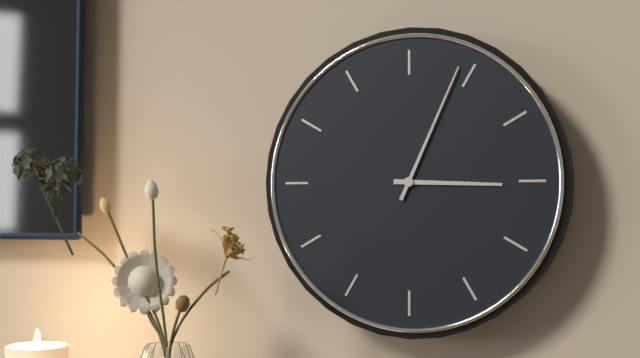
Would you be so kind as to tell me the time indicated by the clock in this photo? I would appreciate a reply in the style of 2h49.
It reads 3h04
